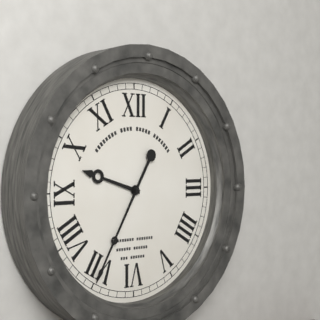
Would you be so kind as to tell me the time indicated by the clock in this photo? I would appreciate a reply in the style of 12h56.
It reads 9h35
